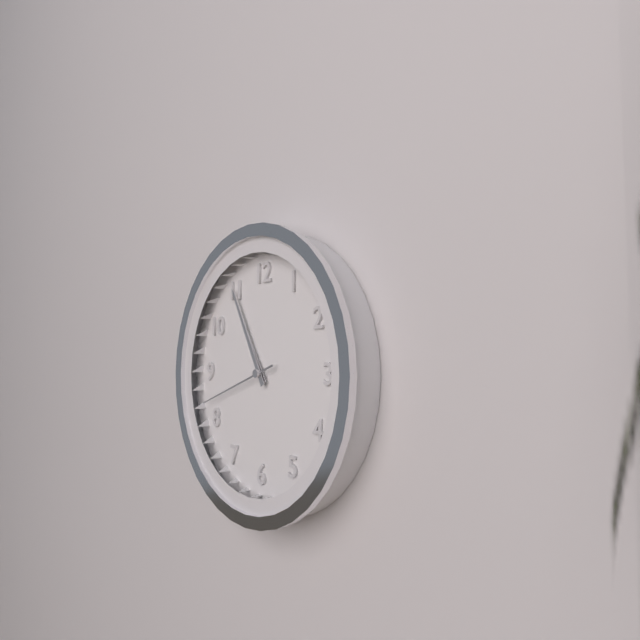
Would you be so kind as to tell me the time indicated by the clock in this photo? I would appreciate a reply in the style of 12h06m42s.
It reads 10h55m42s
